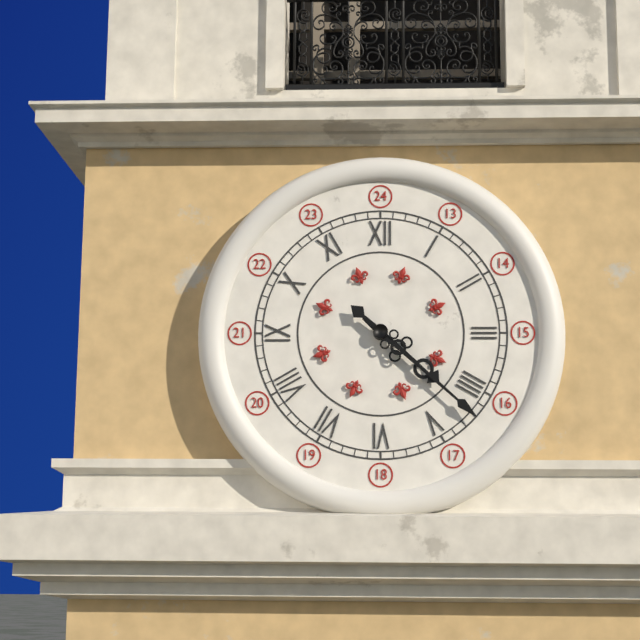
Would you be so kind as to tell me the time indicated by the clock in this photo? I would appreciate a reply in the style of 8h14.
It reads 4h22
